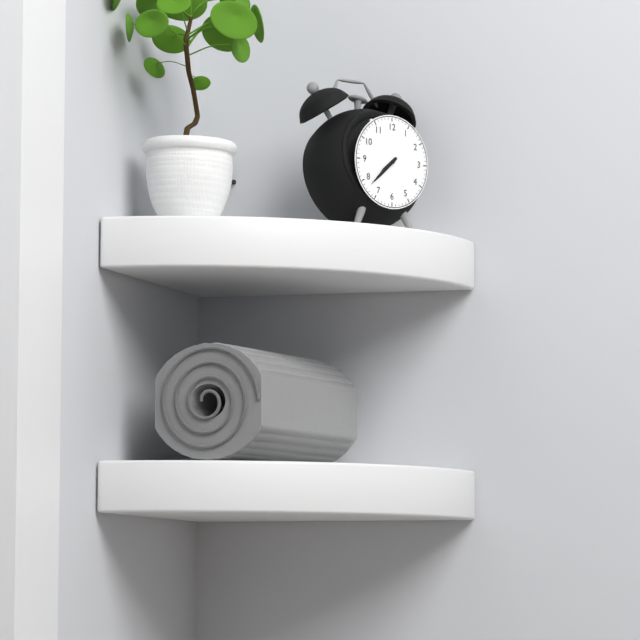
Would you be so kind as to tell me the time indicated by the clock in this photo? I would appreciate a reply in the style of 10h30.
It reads 7h38
